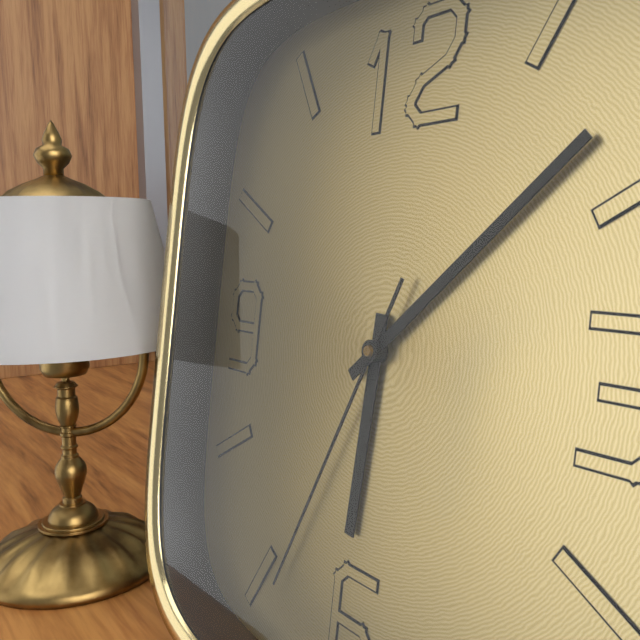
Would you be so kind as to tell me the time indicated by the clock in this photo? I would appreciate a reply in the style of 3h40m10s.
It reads 6h08m34s
